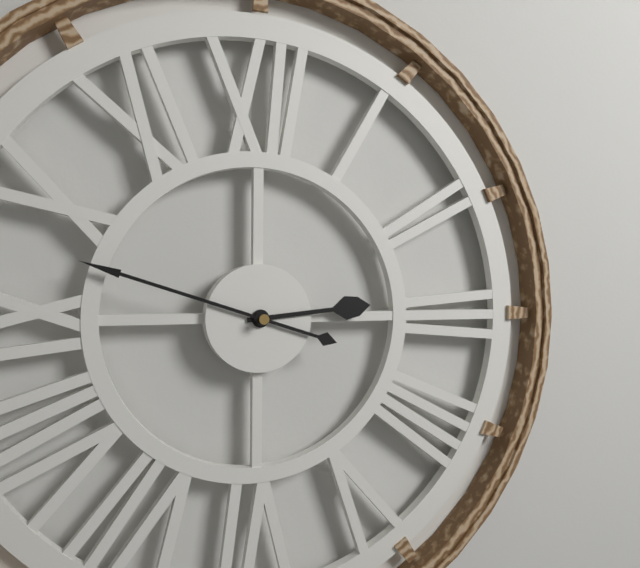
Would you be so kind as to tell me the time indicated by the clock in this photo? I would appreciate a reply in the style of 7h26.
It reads 2h48
